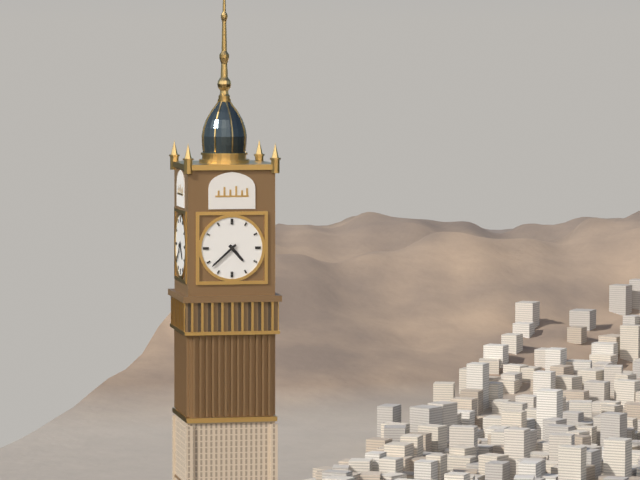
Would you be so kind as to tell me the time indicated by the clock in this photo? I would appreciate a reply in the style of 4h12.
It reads 4h38
